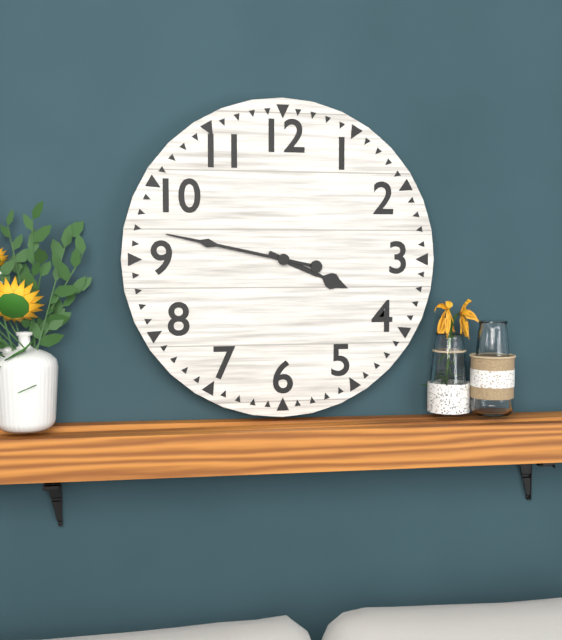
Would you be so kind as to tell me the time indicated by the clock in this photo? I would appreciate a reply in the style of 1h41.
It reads 3h47
